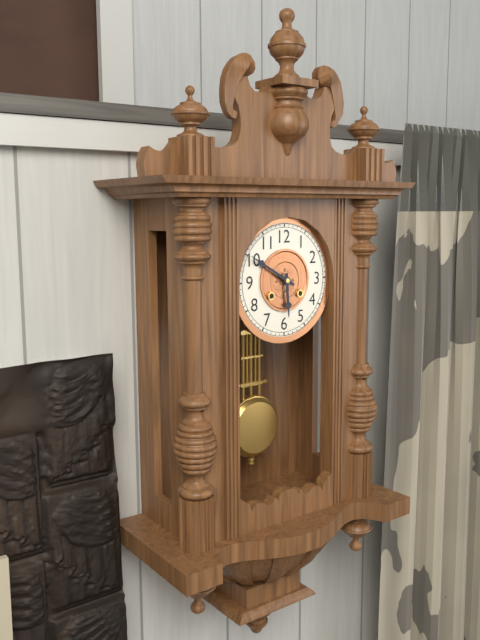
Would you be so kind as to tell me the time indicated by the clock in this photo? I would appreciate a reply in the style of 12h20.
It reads 5h50
